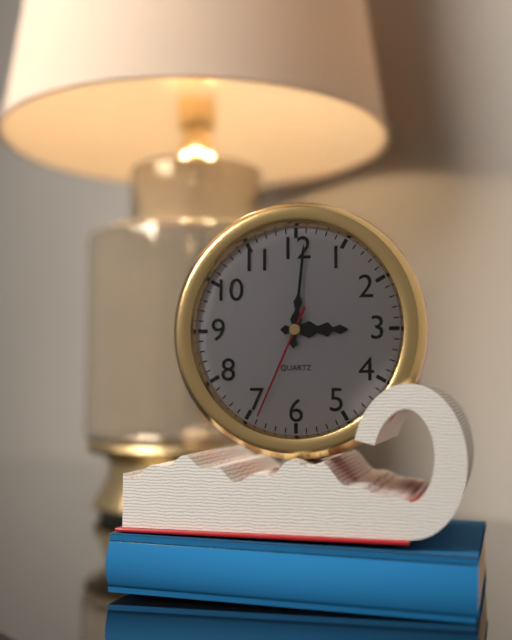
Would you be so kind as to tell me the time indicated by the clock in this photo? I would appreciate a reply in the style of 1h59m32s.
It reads 3h01m34s
